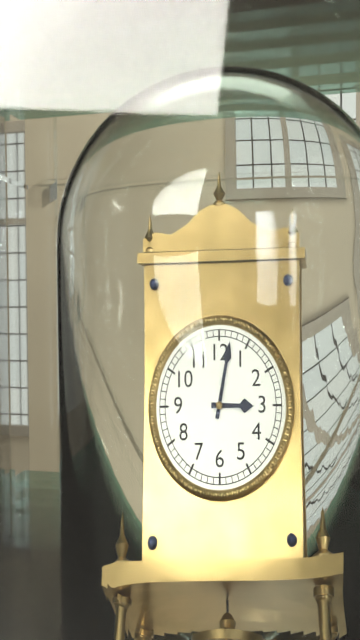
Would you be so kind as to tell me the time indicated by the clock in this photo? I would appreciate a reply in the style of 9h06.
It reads 3h02
